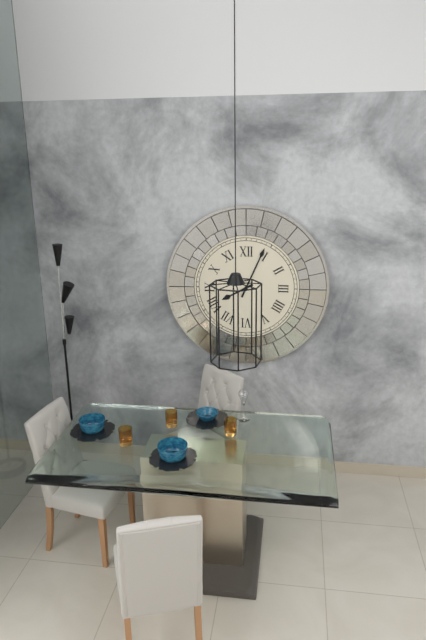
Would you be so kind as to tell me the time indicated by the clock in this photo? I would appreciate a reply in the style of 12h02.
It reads 8h04
